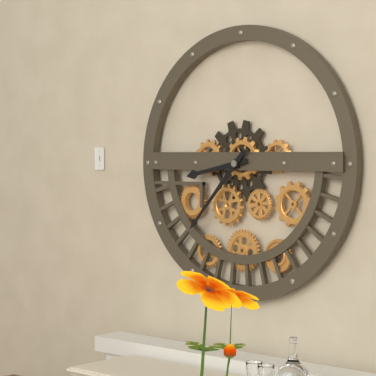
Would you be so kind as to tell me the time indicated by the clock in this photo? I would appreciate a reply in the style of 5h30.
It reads 8h37
